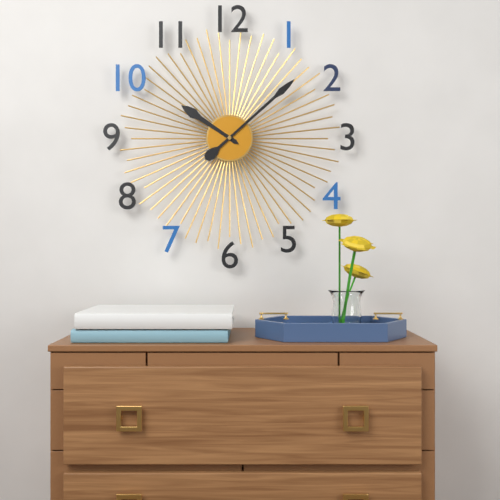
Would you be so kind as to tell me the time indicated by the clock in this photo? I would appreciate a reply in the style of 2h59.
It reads 10h08
